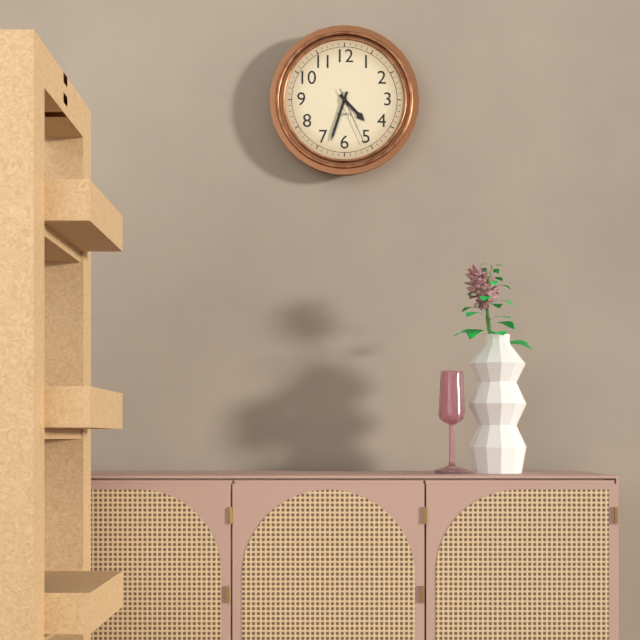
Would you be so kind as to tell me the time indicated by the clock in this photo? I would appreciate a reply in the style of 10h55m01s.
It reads 4h33m26s
